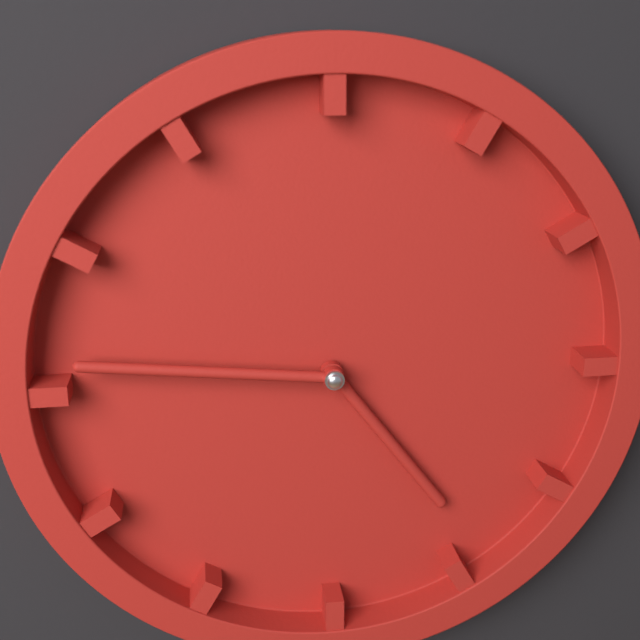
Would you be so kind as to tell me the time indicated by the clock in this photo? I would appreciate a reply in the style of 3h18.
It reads 4h46
